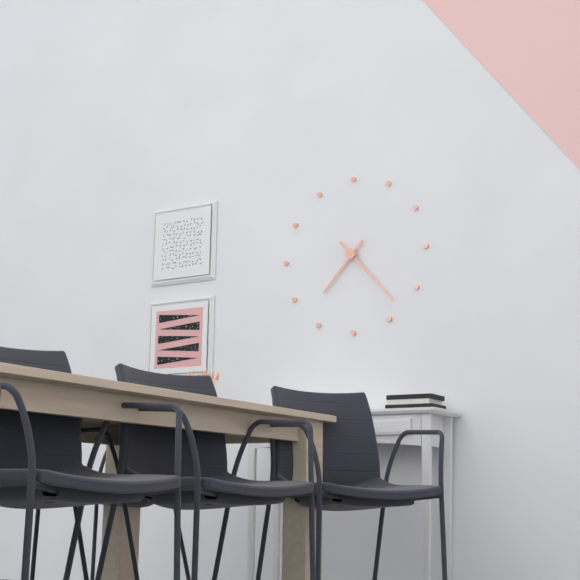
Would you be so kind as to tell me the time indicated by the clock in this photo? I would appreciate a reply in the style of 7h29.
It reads 7h23
